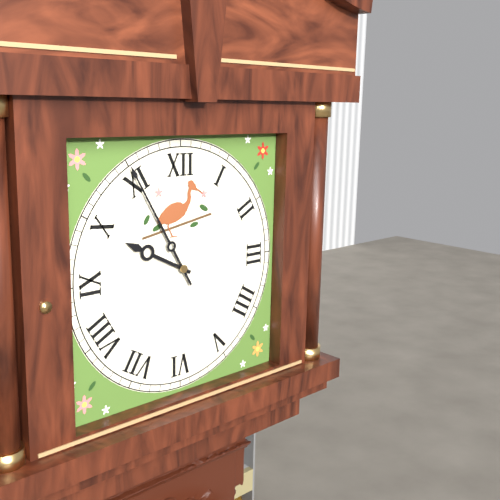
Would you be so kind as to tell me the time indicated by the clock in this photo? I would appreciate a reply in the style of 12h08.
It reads 9h55
